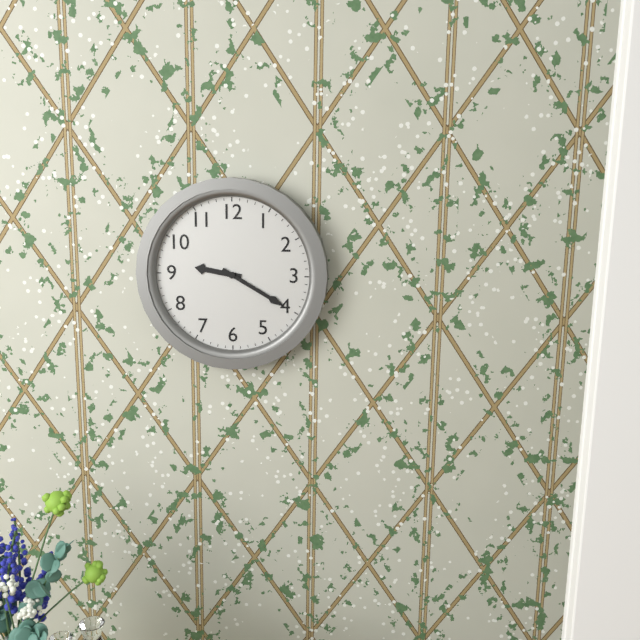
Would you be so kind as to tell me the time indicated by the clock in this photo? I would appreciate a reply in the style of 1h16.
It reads 9h20
